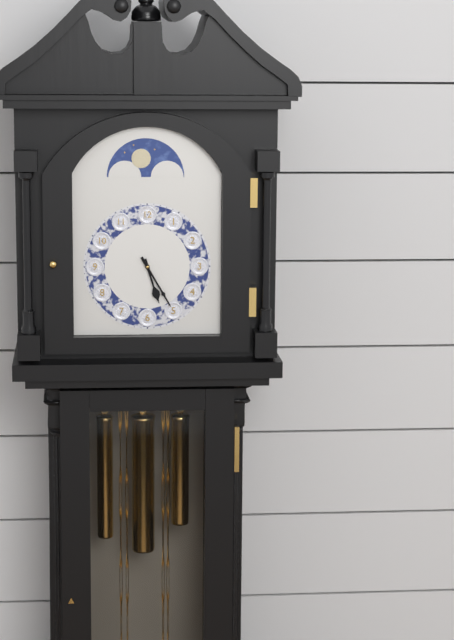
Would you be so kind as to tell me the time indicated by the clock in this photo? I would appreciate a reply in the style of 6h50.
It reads 5h25
